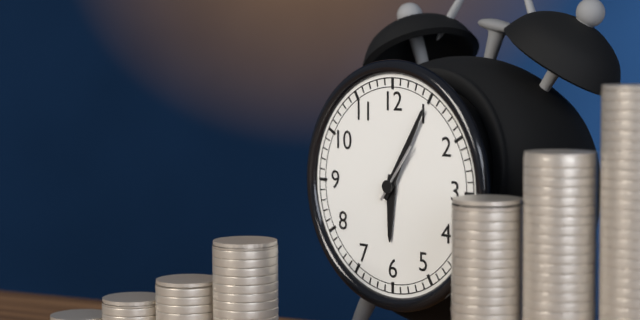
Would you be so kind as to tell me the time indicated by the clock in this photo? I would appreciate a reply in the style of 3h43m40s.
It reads 6h05m06s
